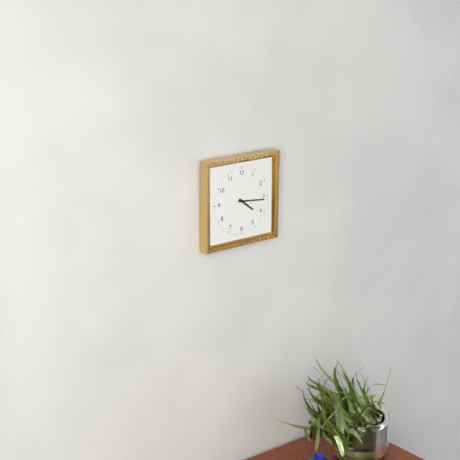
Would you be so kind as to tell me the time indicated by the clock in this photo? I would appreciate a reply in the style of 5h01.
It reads 4h16
